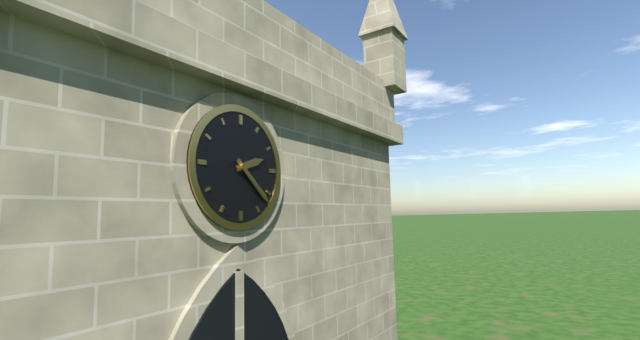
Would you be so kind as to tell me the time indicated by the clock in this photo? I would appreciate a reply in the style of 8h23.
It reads 2h22
